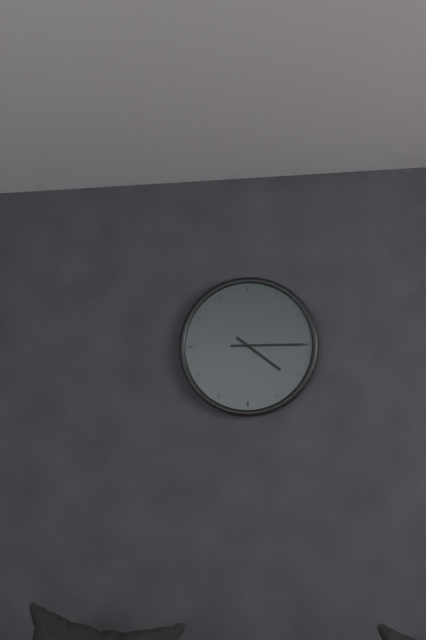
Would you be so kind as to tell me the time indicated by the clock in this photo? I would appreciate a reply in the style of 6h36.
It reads 4h15
